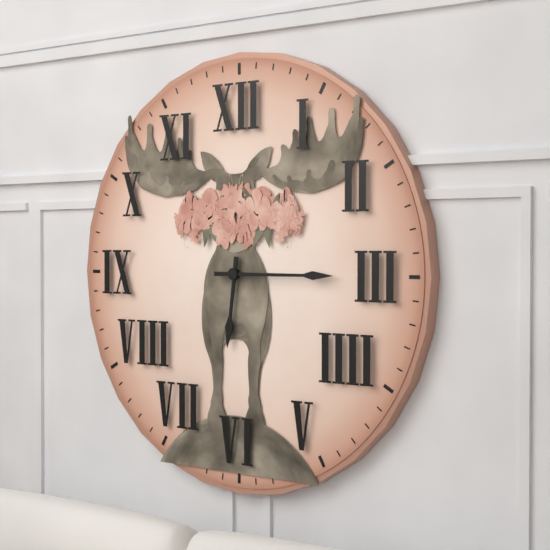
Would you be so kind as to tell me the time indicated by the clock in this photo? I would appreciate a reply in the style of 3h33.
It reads 6h15
